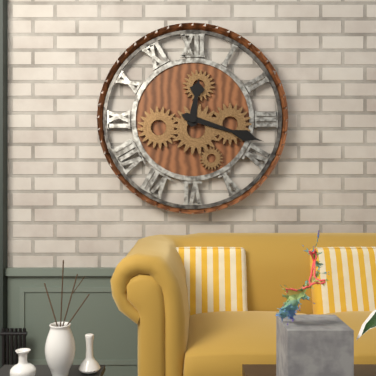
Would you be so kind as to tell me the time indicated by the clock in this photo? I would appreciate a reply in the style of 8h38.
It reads 12h18
